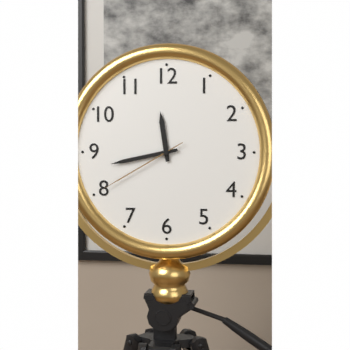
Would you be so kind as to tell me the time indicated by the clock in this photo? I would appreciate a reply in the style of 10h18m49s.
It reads 11h43m40s
